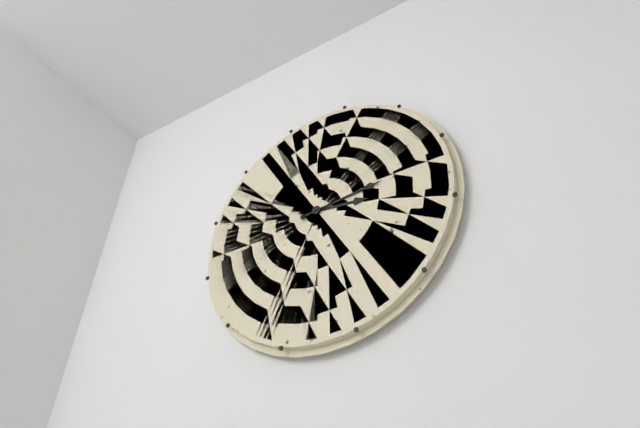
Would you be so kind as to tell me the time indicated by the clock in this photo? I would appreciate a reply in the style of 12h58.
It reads 3h14
